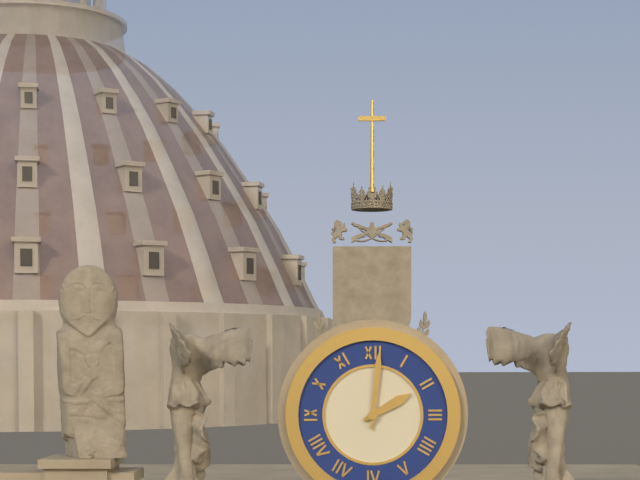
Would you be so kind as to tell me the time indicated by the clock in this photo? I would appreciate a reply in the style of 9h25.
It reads 2h01
